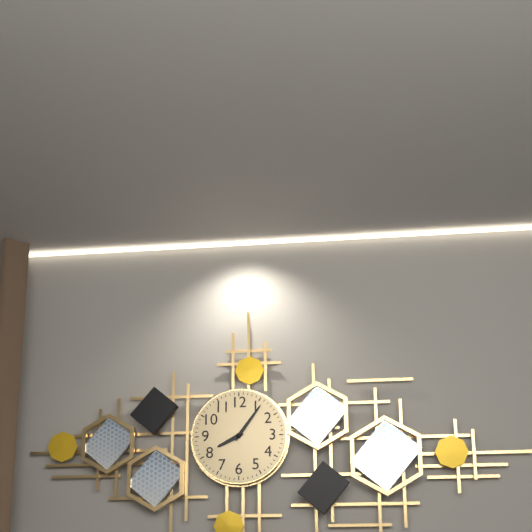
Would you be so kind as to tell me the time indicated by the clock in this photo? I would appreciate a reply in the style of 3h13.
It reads 8h06
